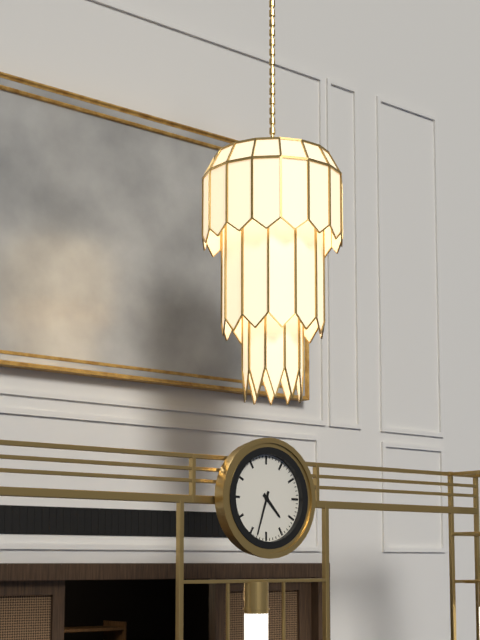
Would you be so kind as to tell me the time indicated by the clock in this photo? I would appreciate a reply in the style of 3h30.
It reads 4h33
